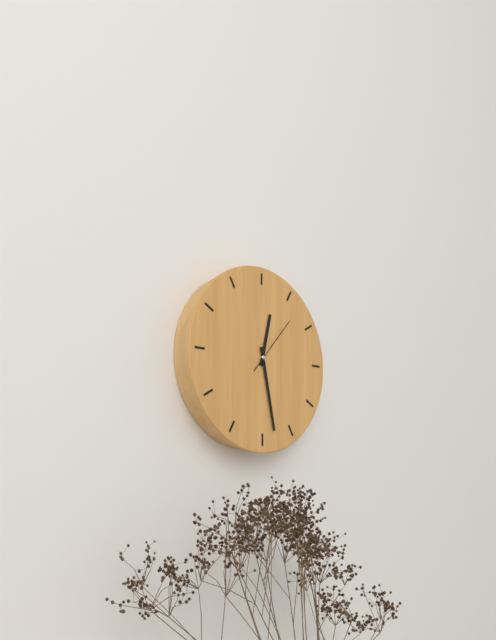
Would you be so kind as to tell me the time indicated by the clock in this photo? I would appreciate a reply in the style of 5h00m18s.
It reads 12h28m07s
